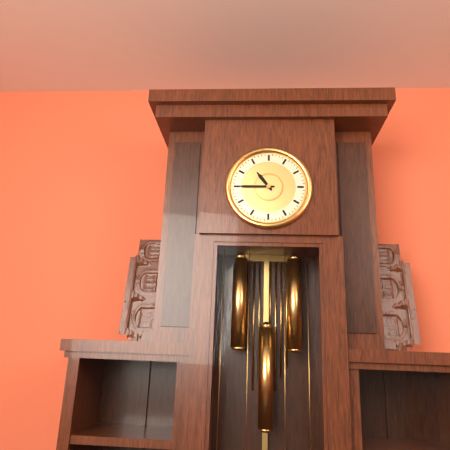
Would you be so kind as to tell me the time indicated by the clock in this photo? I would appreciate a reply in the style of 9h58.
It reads 10h45
